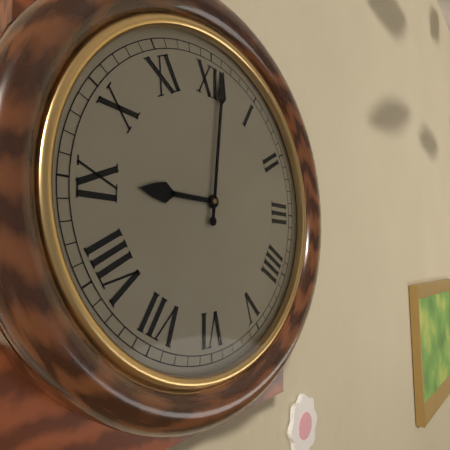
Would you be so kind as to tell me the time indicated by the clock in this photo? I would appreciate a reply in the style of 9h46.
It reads 9h01
